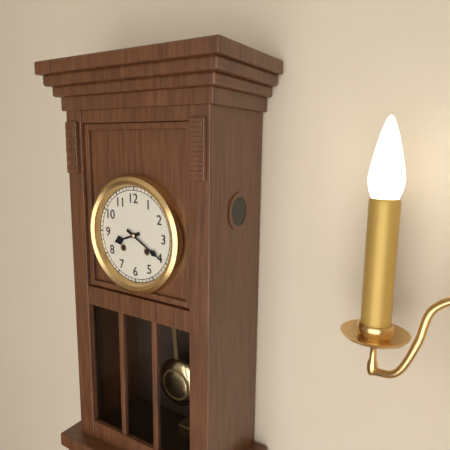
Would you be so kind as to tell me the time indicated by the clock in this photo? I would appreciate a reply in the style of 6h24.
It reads 8h20
